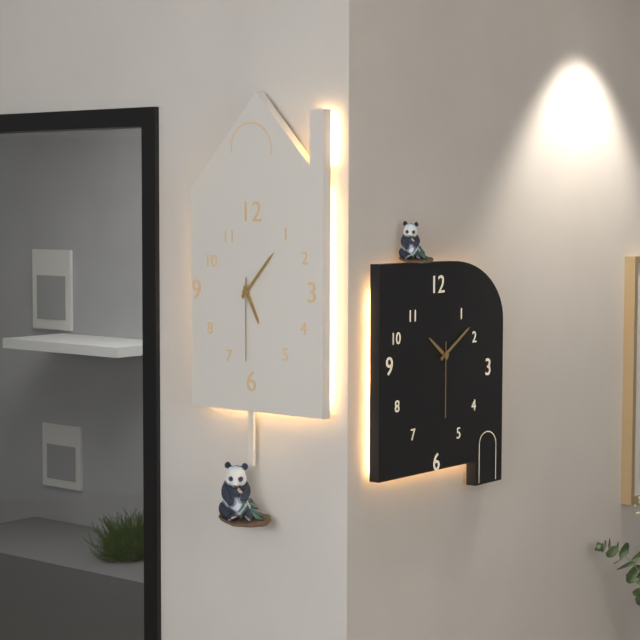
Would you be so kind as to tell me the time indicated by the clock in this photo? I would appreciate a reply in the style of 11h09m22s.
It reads 5h07m30s
